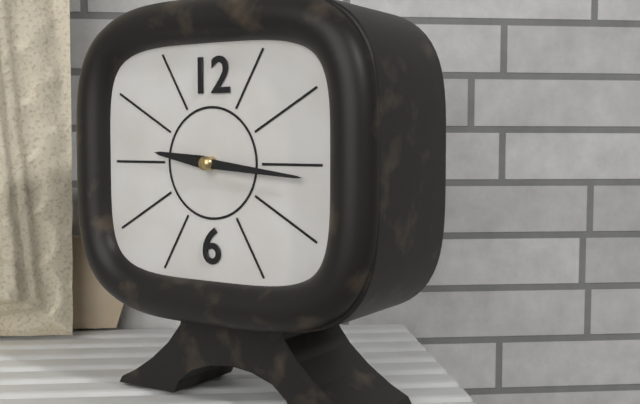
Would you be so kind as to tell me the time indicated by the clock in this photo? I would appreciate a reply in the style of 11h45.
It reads 9h16
